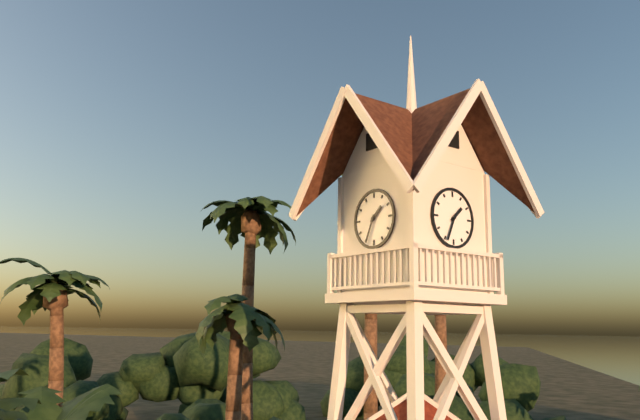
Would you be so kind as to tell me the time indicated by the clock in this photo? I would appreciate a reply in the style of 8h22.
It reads 1h34
